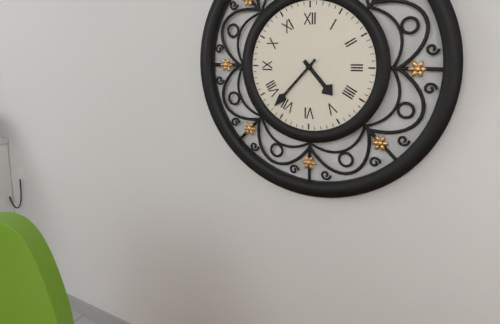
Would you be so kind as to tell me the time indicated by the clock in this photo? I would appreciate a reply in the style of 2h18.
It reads 4h37
